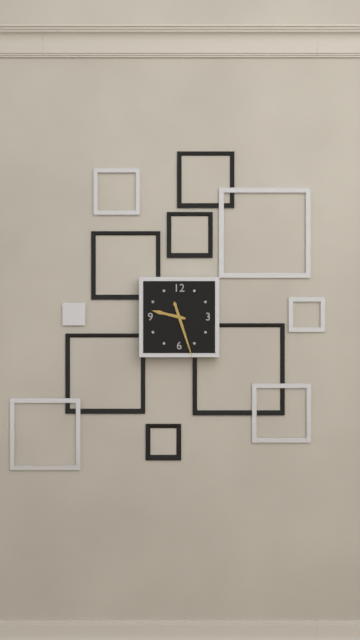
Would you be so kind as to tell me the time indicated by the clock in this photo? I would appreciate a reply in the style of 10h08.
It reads 9h27
